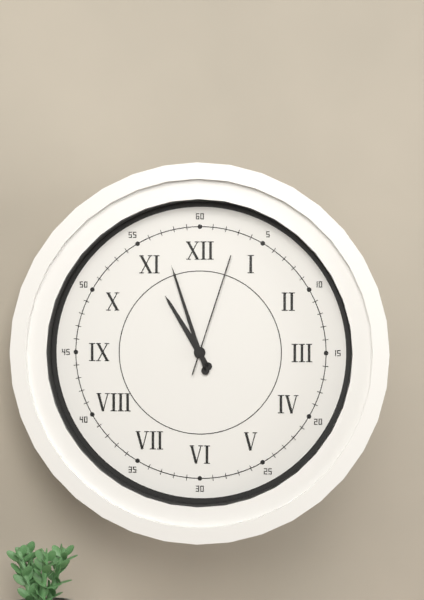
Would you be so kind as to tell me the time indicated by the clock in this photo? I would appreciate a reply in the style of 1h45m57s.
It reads 10h57m03s
